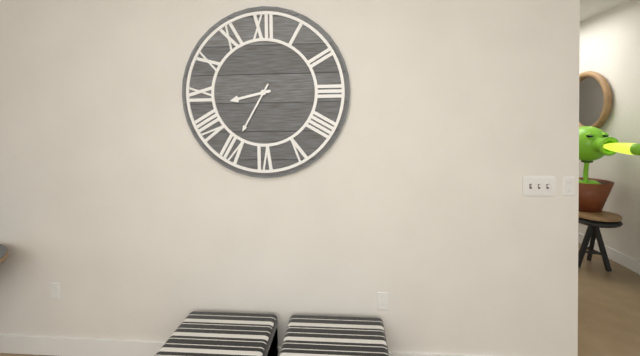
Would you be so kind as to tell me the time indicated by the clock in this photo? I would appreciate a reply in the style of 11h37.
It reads 8h35
